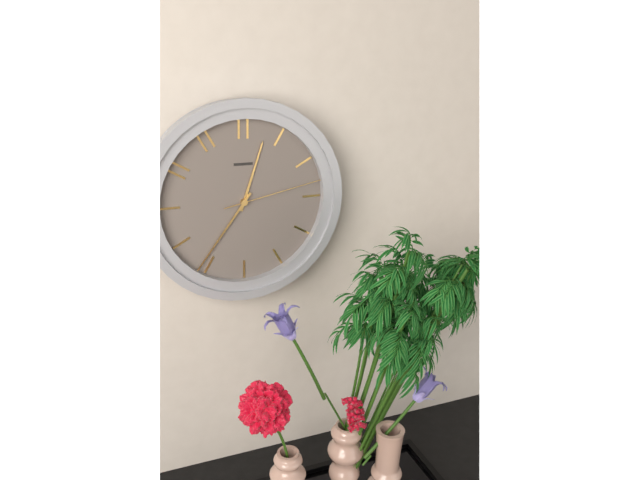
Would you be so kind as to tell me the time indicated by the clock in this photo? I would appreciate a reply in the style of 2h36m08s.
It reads 12h36m13s
